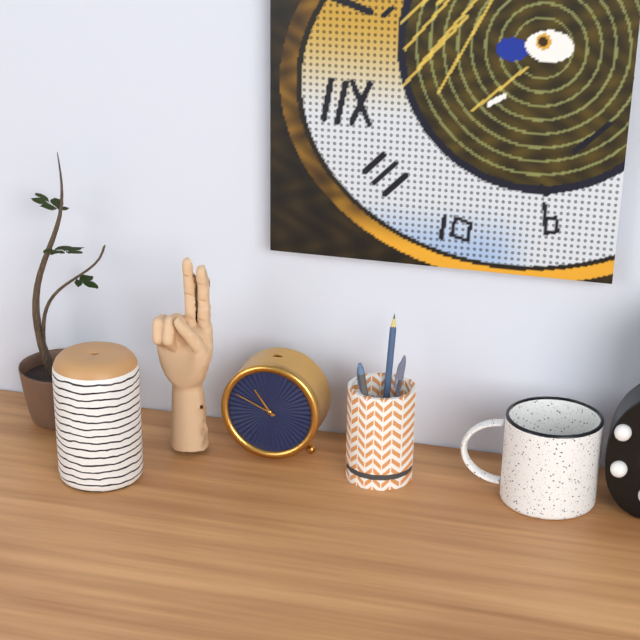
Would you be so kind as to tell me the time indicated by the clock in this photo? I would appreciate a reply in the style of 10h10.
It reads 10h49
